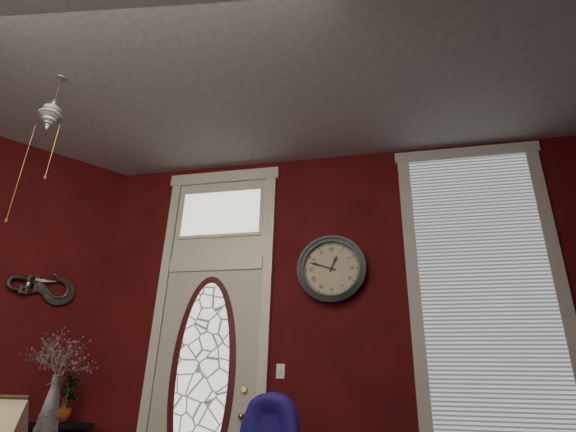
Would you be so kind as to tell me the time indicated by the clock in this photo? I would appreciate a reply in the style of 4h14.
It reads 12h48
